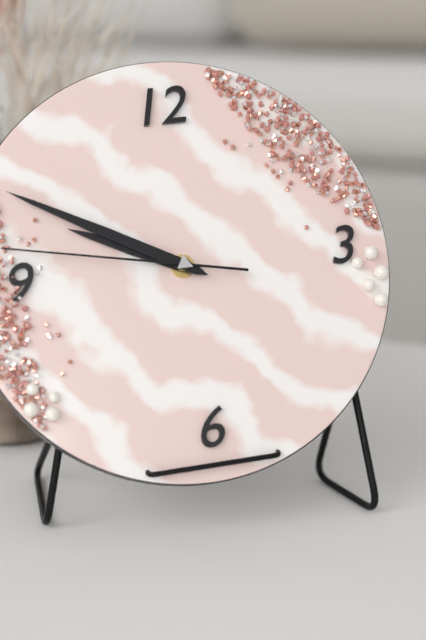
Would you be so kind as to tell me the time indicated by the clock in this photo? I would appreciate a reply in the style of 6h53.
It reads 9h50
